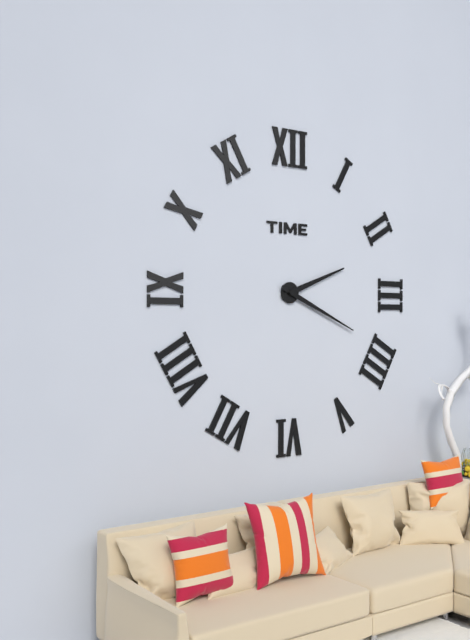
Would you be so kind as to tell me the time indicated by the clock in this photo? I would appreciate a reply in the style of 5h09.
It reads 2h19
